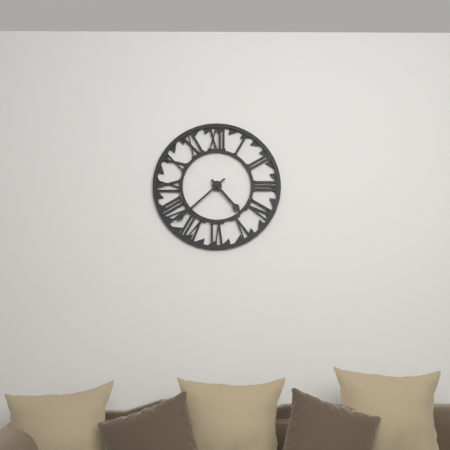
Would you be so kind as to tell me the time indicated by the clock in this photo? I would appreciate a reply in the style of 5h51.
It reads 4h38
